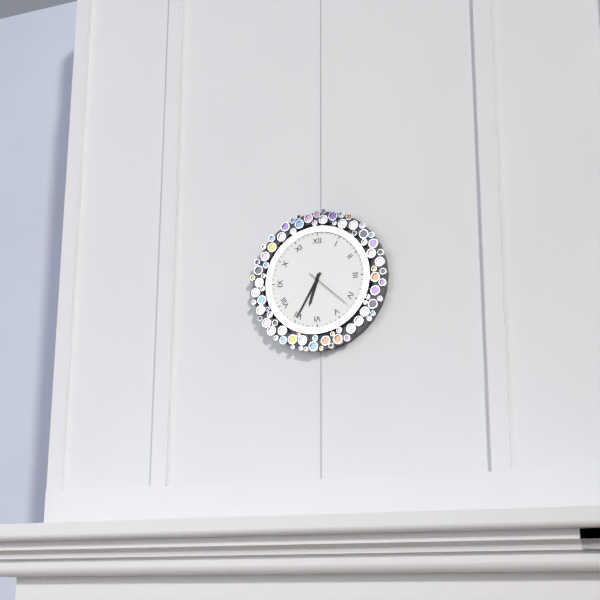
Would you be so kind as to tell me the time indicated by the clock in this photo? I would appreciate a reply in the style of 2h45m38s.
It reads 6h35m22s
